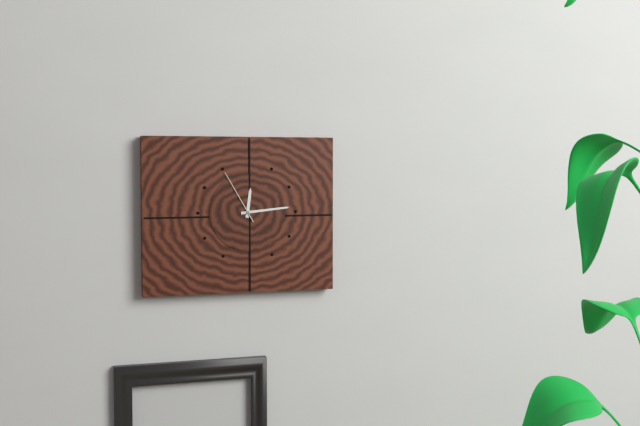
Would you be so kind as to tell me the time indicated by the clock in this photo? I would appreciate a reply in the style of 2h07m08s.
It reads 12h14m55s
